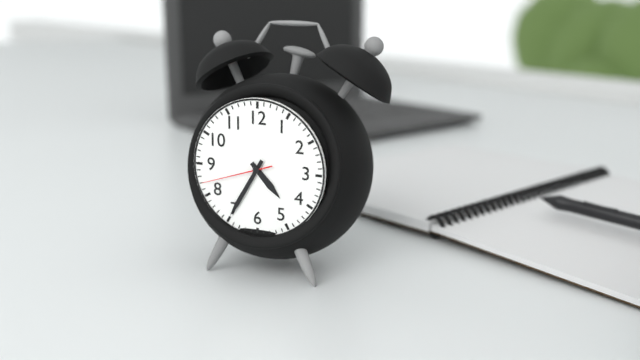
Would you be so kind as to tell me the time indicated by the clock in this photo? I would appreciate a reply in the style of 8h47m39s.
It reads 4h35m42s
